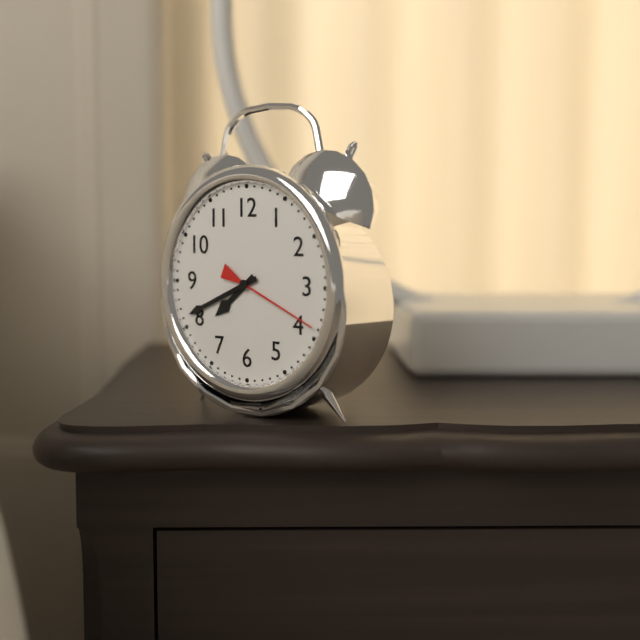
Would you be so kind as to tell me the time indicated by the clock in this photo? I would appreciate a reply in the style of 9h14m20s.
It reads 7h41m19s
